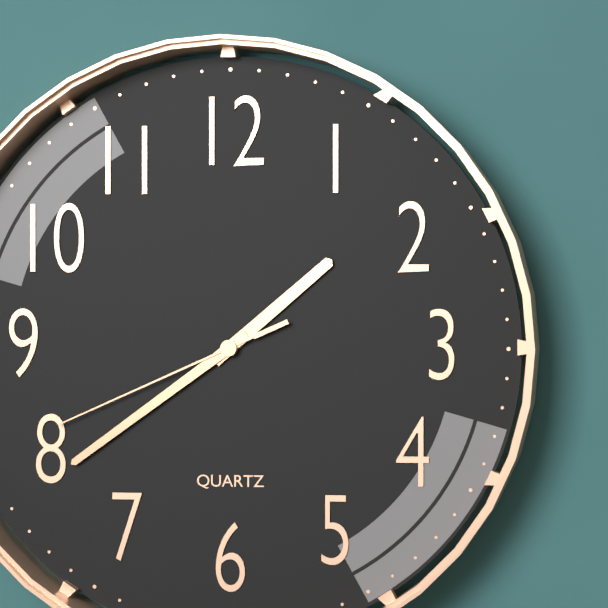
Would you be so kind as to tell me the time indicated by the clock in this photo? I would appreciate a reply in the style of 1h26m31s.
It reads 1h39m41s
